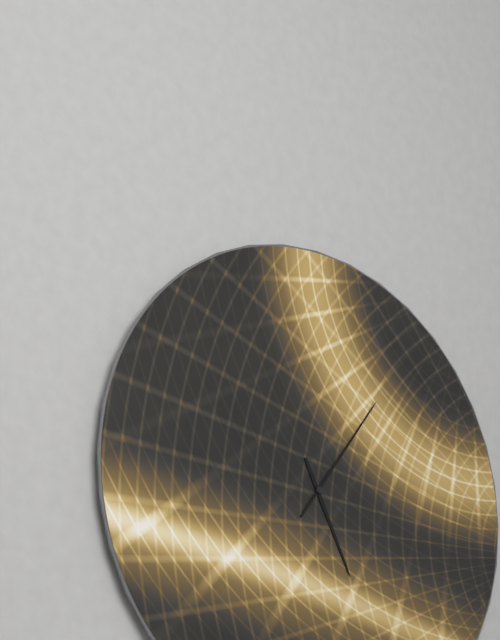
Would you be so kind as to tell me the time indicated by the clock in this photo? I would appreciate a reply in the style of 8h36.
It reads 5h06
